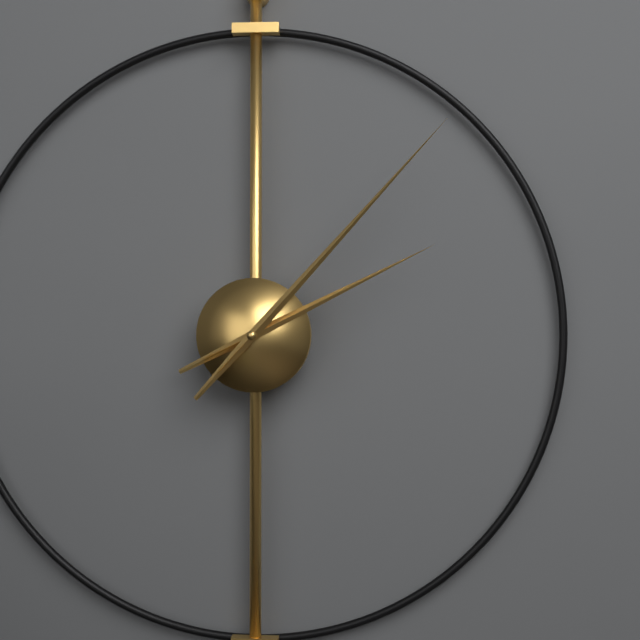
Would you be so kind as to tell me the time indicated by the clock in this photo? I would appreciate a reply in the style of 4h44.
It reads 2h07
